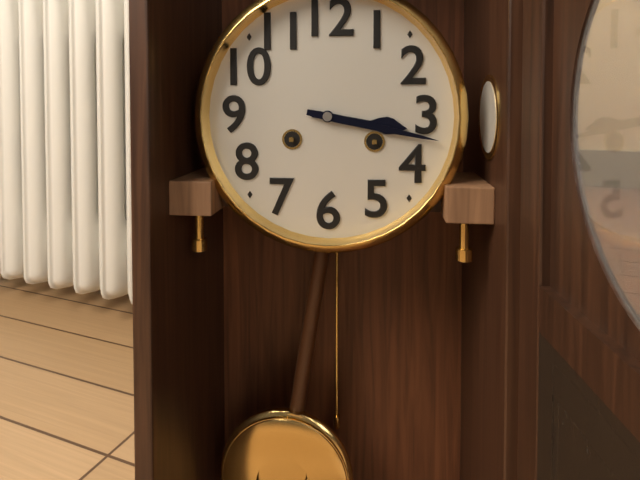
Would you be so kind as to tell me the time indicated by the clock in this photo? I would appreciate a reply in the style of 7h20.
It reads 3h17
